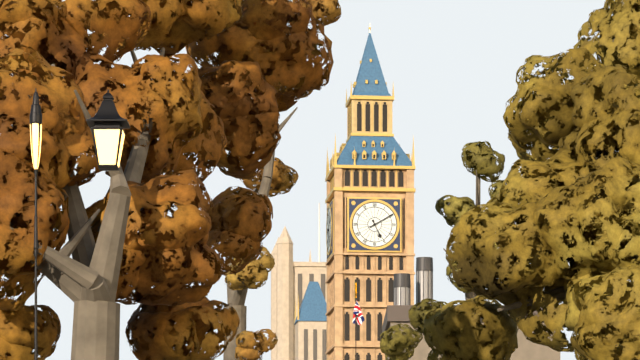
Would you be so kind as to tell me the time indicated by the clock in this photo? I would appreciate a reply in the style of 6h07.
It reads 5h10
